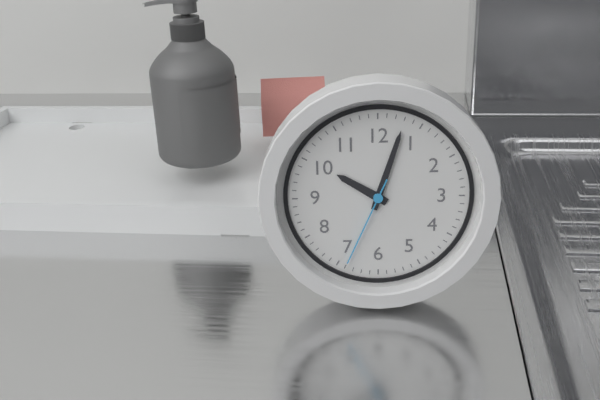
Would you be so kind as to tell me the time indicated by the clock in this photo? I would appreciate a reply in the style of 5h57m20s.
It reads 10h03m34s
